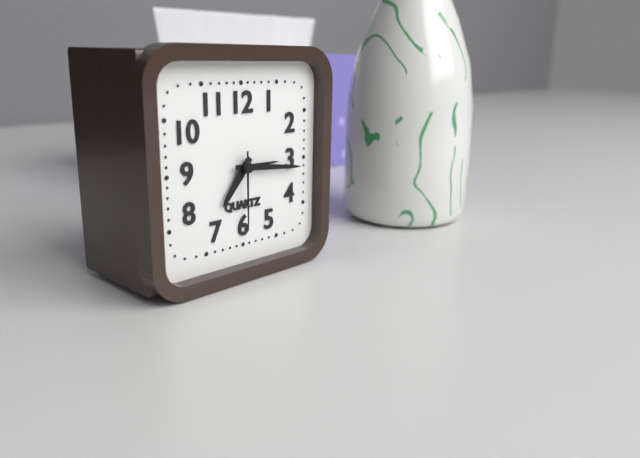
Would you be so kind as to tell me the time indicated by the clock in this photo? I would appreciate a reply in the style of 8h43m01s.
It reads 7h16m30s
